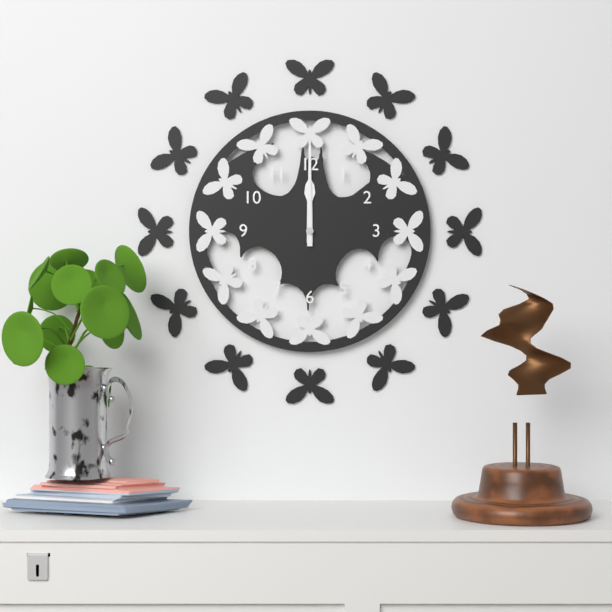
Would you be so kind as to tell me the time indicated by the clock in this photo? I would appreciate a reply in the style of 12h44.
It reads 12h00
